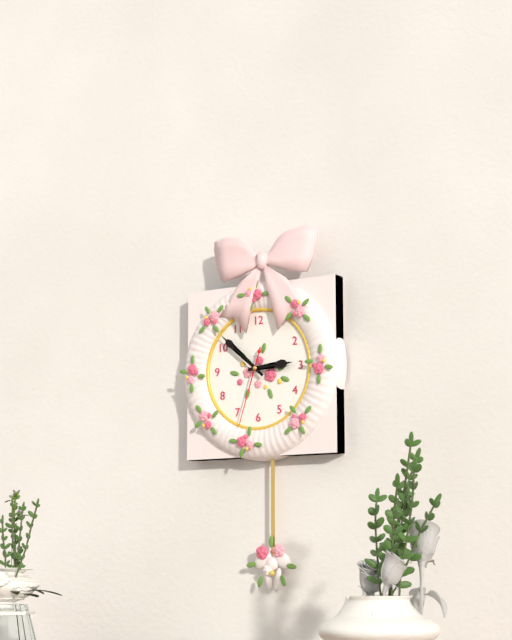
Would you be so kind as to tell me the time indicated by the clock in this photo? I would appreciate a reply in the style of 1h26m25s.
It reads 2h52m33s
